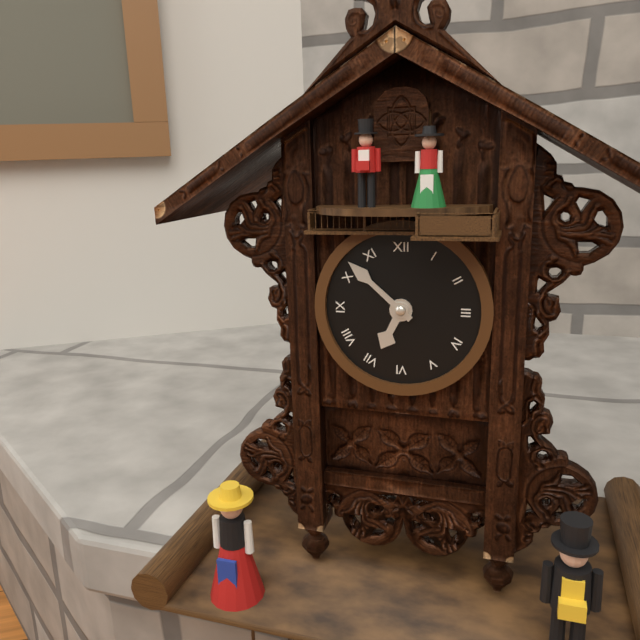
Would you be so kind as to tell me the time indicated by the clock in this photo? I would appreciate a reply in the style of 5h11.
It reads 6h52
